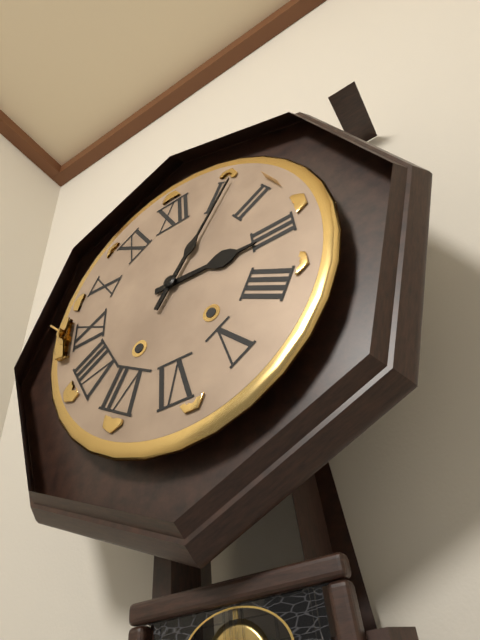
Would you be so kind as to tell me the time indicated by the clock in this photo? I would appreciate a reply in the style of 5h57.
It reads 3h06
